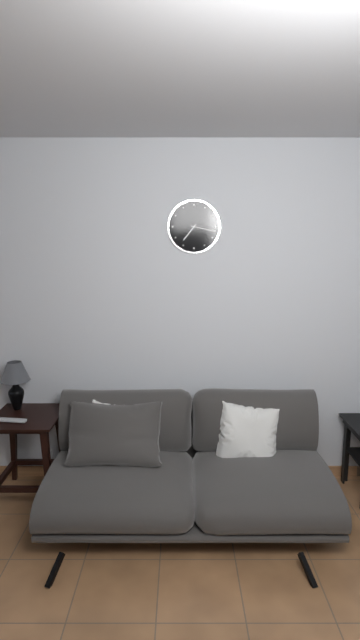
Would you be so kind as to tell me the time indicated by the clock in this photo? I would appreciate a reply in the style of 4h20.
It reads 7h17
